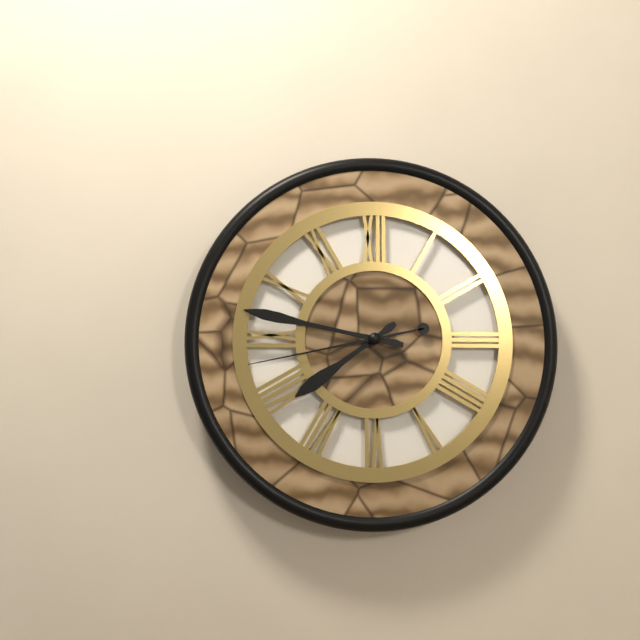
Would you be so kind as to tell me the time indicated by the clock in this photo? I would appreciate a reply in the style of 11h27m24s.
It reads 7h47m43s
